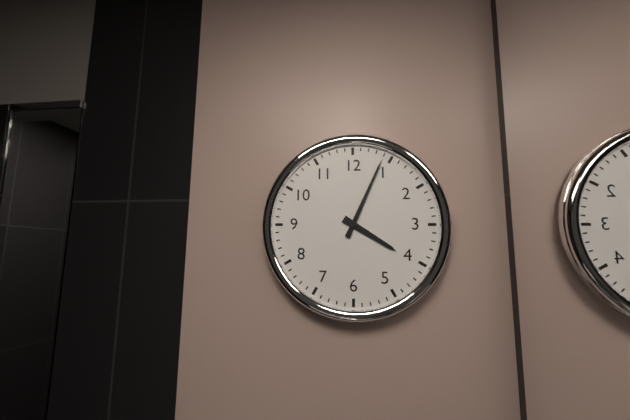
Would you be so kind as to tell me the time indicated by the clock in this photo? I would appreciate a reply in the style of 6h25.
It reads 4h04
